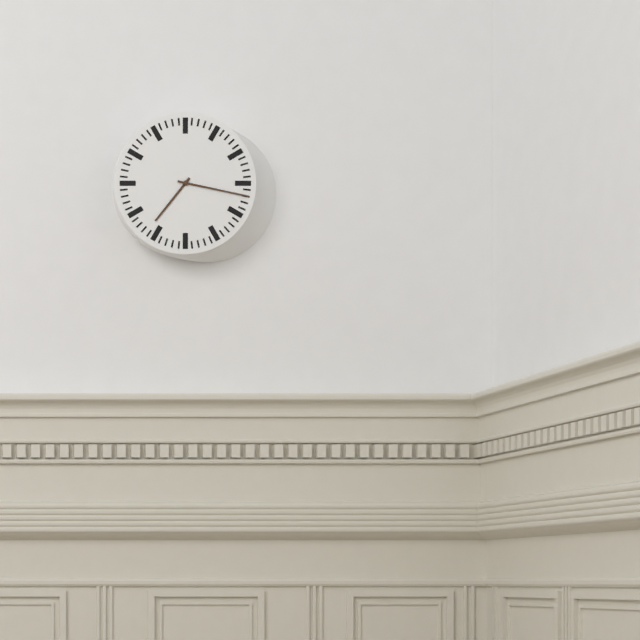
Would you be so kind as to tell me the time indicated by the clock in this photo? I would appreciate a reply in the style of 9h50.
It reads 7h17
